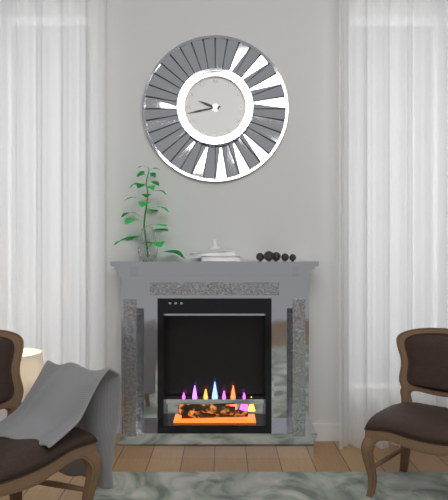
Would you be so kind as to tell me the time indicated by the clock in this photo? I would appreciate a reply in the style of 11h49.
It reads 9h43
